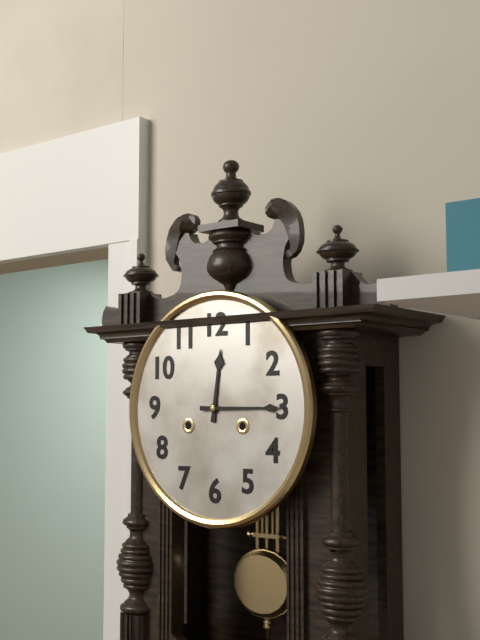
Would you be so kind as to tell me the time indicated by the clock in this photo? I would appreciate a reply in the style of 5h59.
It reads 12h15
